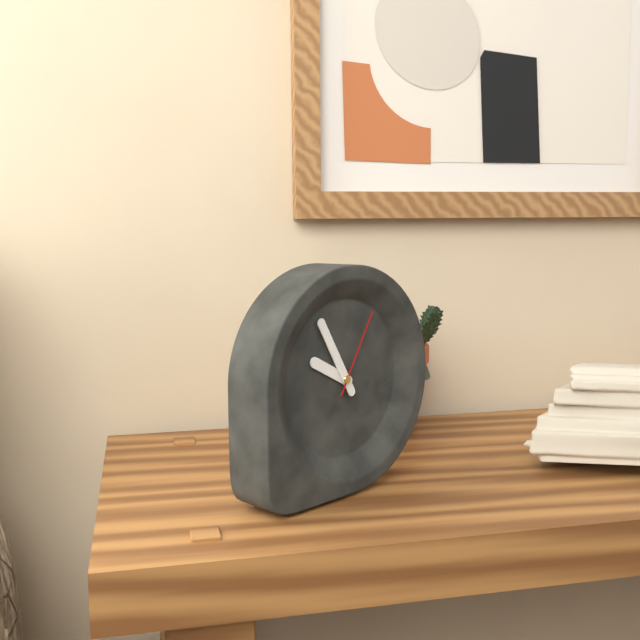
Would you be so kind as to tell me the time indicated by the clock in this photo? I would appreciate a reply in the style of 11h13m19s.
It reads 9h55m05s
